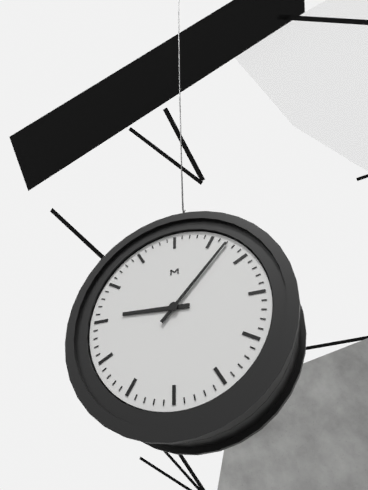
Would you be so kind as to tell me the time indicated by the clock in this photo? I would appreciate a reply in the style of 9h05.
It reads 9h07
